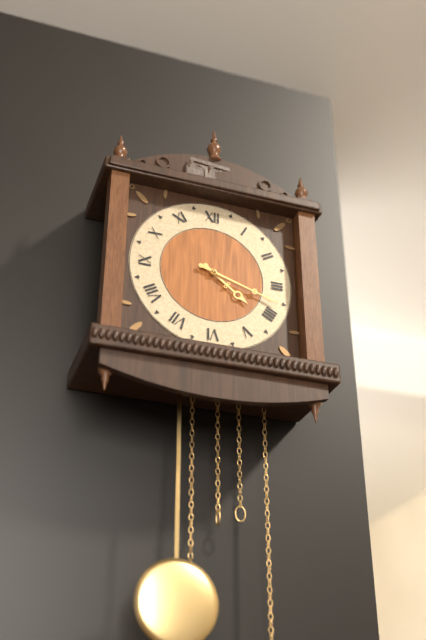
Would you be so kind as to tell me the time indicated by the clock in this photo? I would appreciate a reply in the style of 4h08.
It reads 4h18
